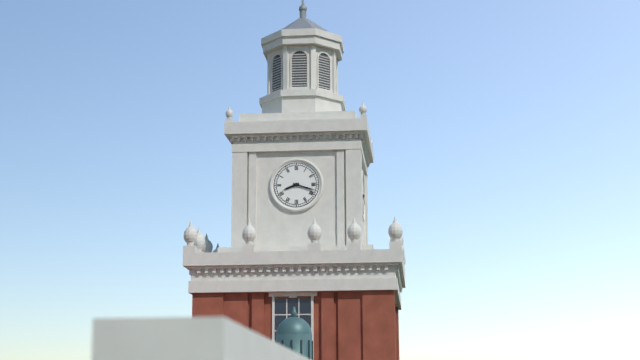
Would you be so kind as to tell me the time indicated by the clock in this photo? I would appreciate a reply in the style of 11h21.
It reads 8h18
